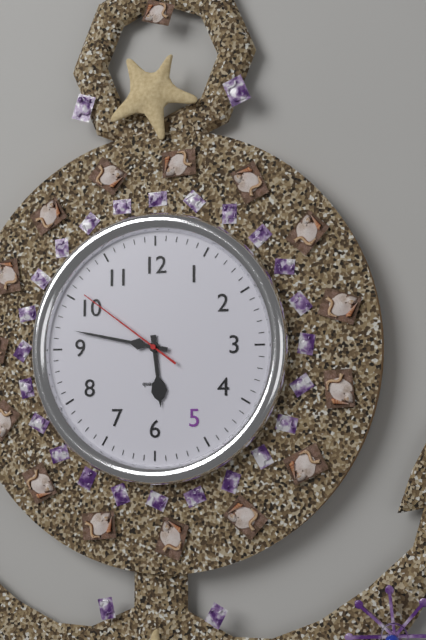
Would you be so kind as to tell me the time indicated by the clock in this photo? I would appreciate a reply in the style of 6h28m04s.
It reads 5h47m51s
